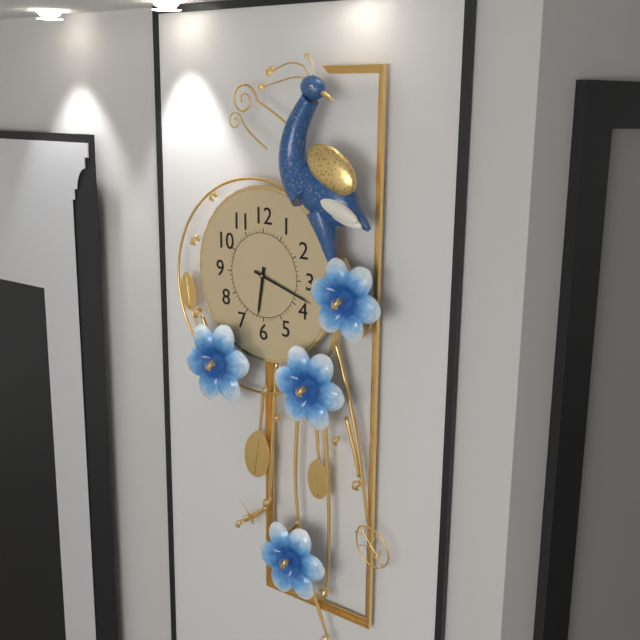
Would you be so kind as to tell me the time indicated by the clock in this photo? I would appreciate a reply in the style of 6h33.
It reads 6h18
